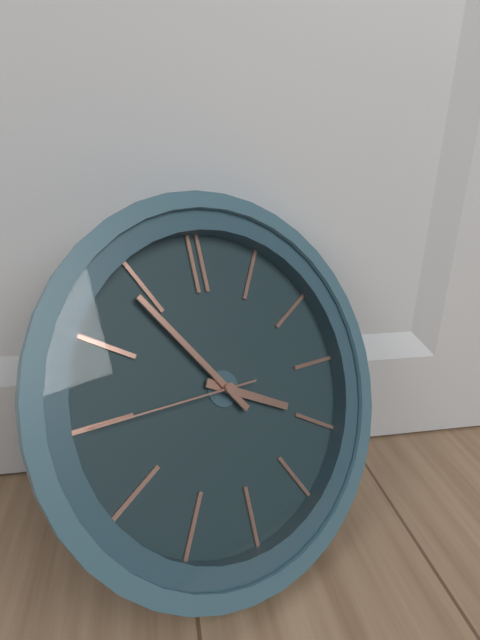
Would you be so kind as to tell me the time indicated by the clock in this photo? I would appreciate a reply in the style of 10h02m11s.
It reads 3h54m45s
